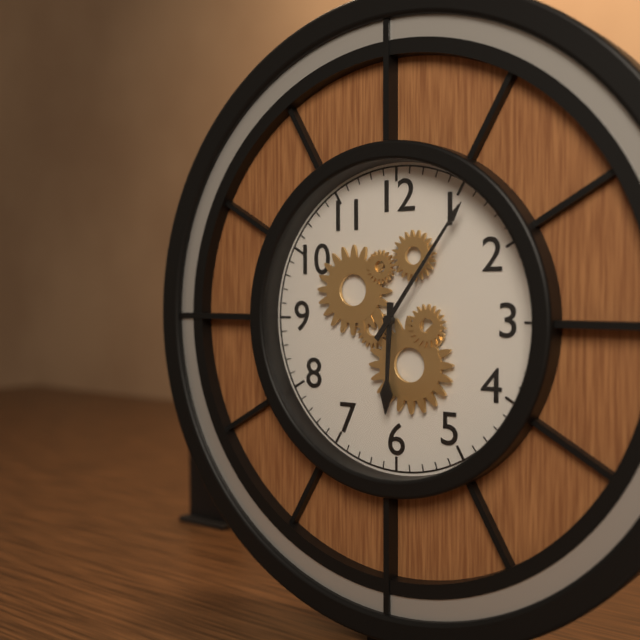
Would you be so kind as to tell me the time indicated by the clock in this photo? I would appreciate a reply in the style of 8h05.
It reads 6h06
